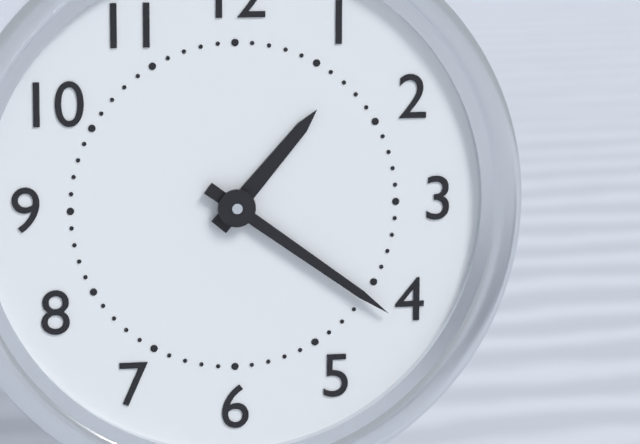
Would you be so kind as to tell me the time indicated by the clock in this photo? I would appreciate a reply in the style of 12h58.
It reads 1h21
